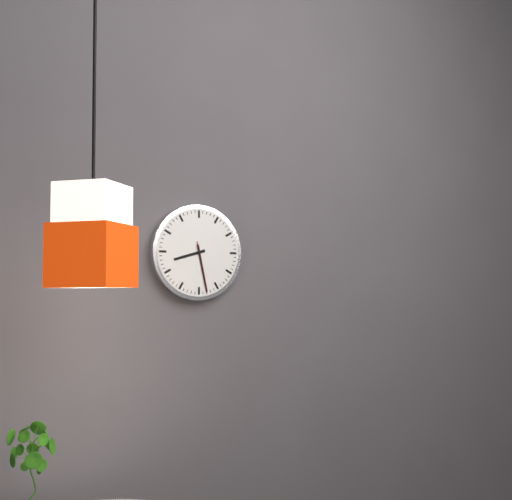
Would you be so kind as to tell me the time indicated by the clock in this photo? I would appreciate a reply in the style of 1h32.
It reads 8h28
